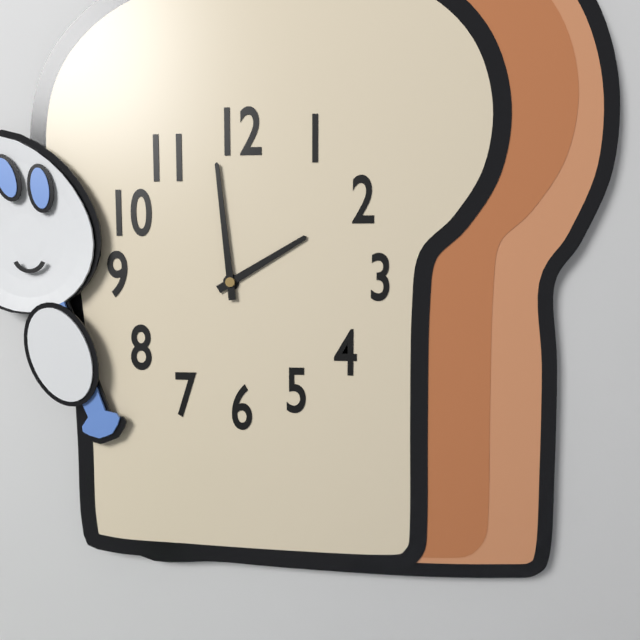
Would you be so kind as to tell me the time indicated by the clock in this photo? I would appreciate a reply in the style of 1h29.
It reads 1h59
